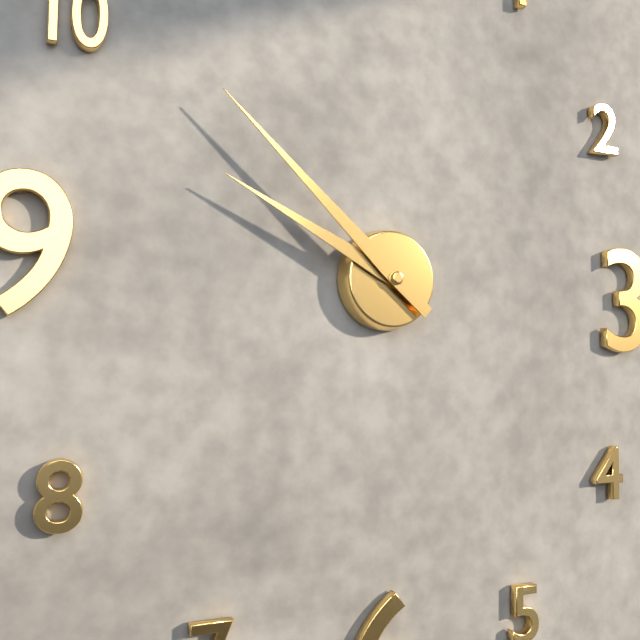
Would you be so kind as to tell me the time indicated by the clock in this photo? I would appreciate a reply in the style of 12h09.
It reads 9h52
